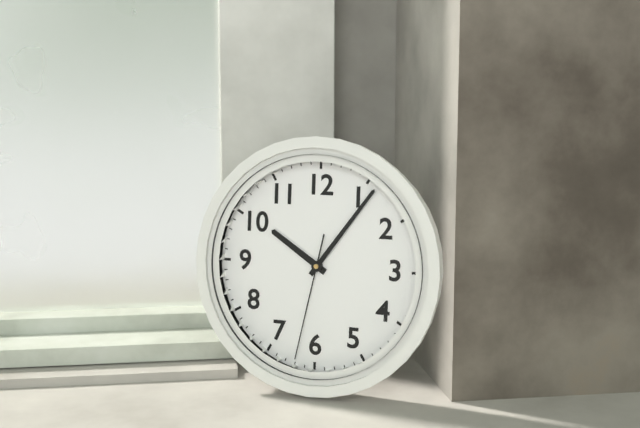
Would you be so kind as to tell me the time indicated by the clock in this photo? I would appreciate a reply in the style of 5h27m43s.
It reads 10h06m32s
